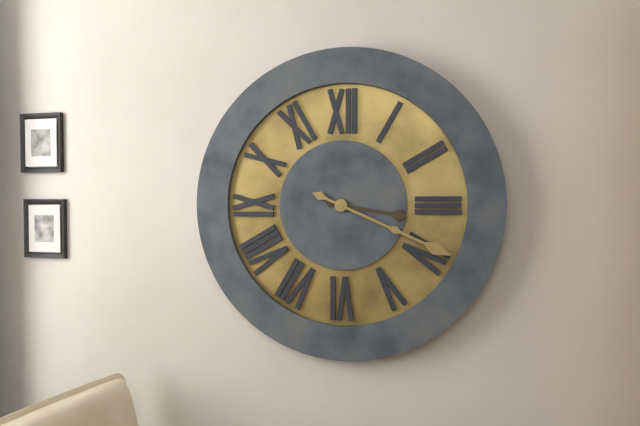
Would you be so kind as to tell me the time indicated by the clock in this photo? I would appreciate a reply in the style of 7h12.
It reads 3h19
